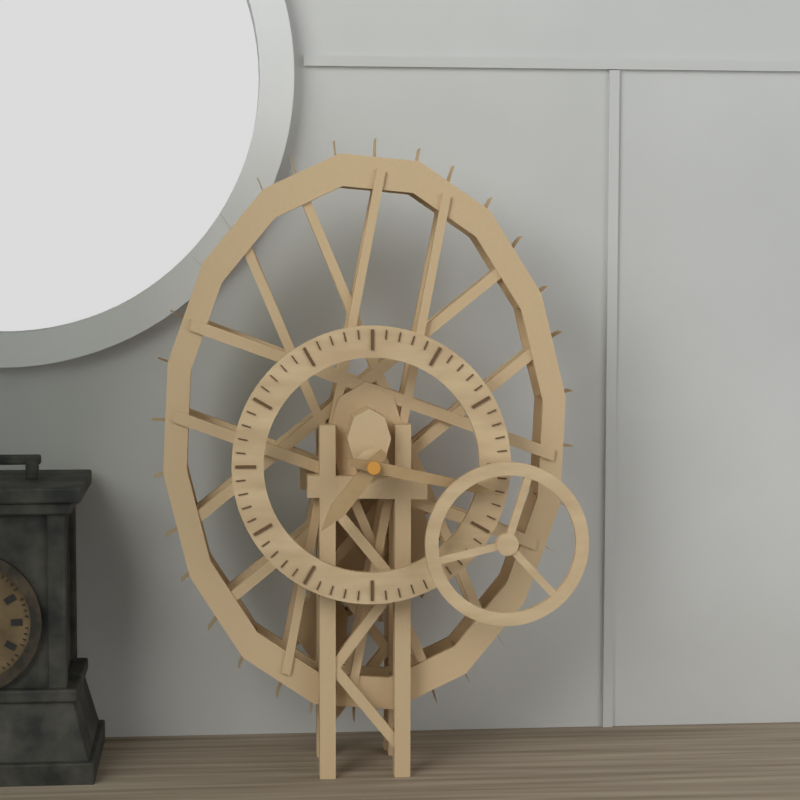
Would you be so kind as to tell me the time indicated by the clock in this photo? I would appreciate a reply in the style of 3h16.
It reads 7h17
